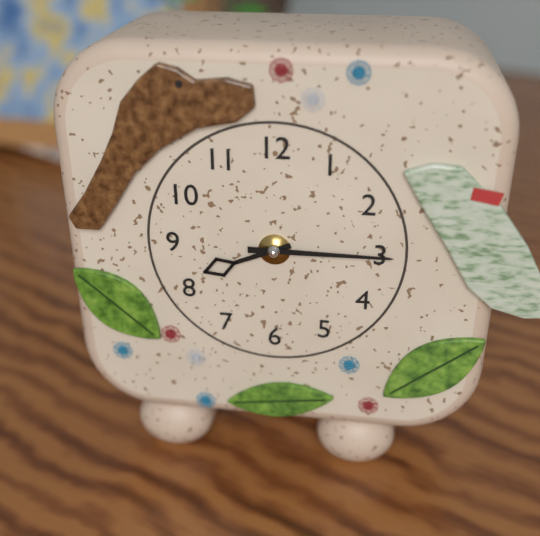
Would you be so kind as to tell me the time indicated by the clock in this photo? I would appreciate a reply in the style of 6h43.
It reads 8h15
